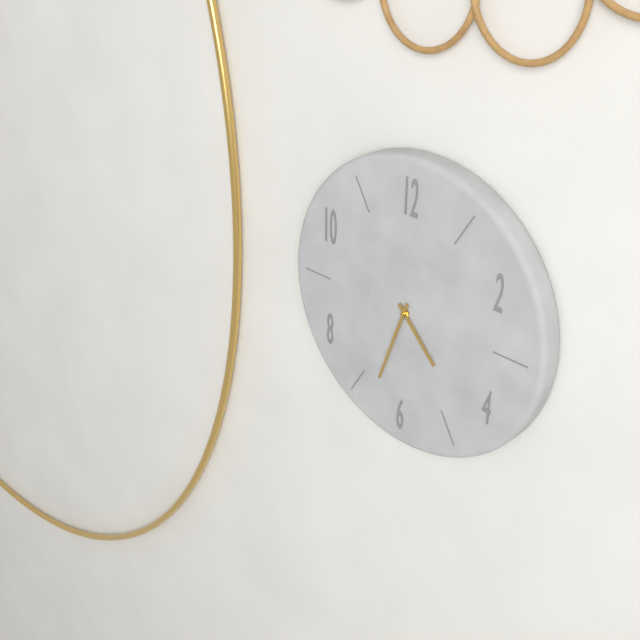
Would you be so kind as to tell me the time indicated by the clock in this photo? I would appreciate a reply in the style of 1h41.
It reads 4h33
